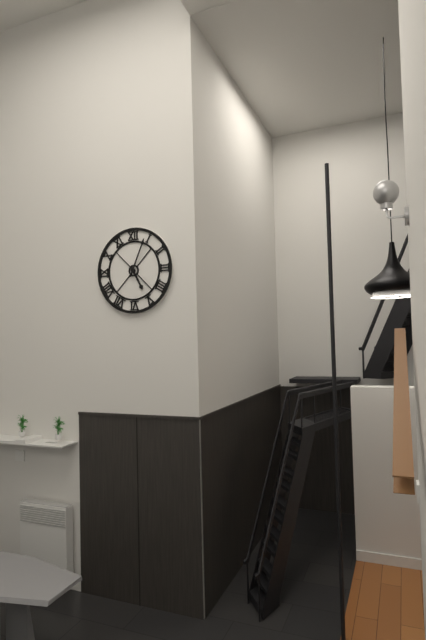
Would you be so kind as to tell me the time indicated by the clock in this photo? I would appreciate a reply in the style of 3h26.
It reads 5h04
